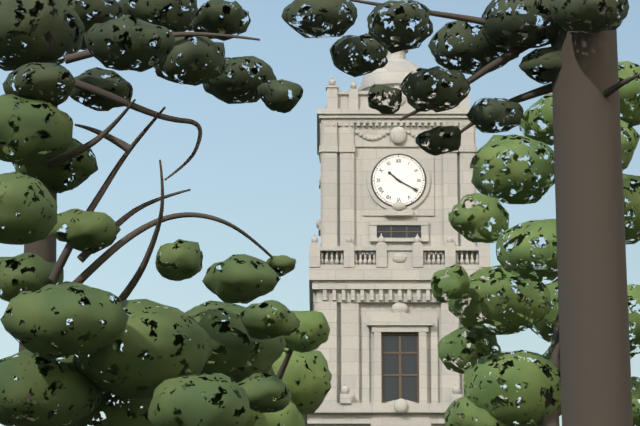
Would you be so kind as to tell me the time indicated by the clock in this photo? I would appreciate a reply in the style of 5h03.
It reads 10h20
